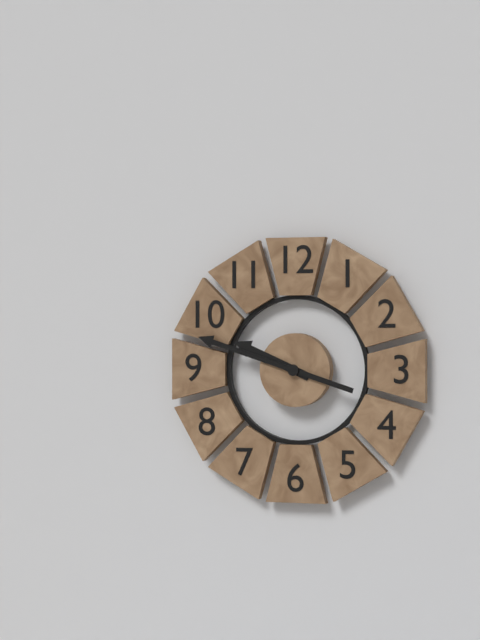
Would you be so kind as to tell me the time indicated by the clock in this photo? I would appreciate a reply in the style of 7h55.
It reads 9h48
